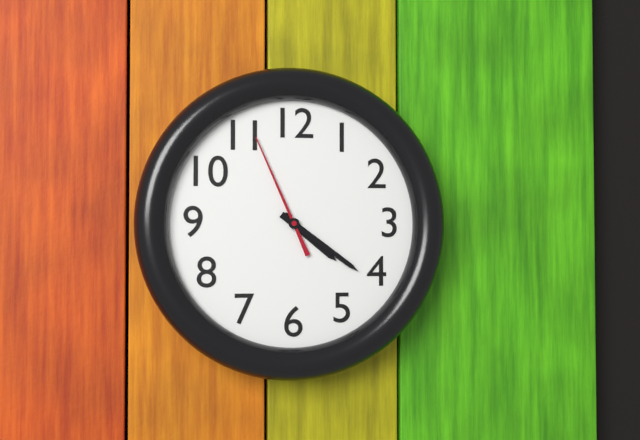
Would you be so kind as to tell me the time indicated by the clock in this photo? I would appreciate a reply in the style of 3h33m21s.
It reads 4h21m56s
